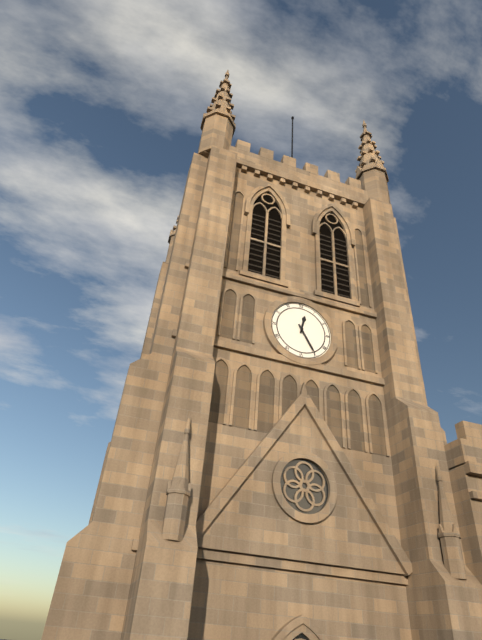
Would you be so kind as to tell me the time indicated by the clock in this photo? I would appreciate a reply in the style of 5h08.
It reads 12h25
